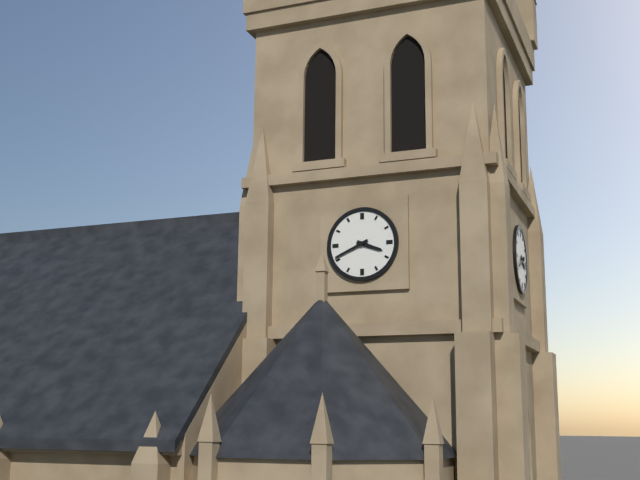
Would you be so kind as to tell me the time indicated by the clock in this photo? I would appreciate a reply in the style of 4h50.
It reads 3h41
